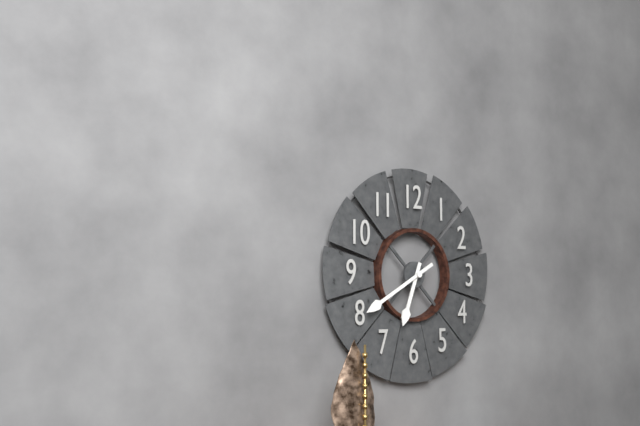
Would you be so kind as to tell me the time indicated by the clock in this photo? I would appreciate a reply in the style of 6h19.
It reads 6h40
